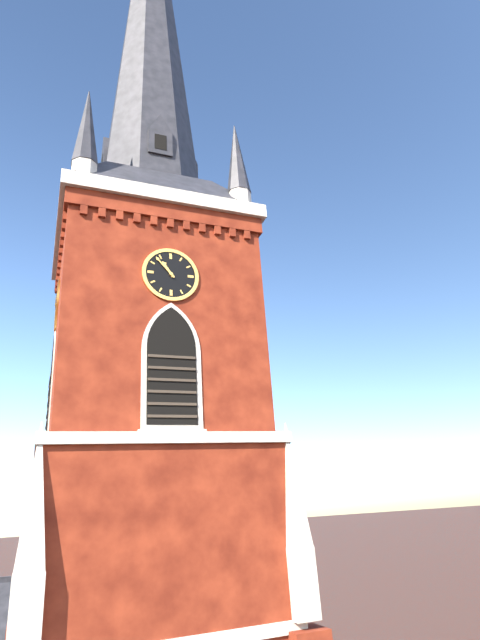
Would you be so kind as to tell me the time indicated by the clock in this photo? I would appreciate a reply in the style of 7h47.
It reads 10h53
